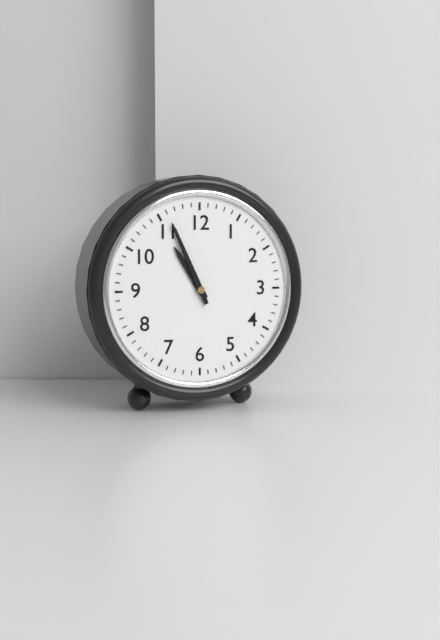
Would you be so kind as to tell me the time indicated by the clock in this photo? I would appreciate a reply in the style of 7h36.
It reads 10h56
